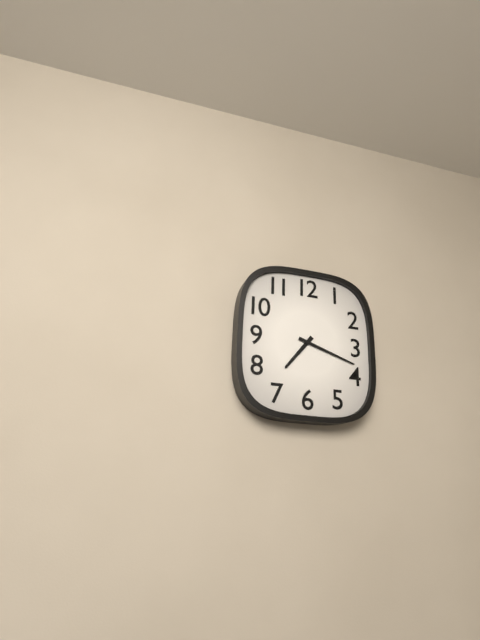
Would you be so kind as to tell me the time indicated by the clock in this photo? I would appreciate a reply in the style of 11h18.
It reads 7h18
